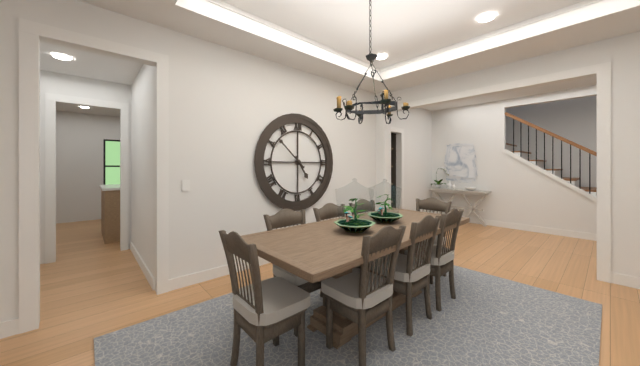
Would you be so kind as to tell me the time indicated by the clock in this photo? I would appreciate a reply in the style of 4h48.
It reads 4h52
